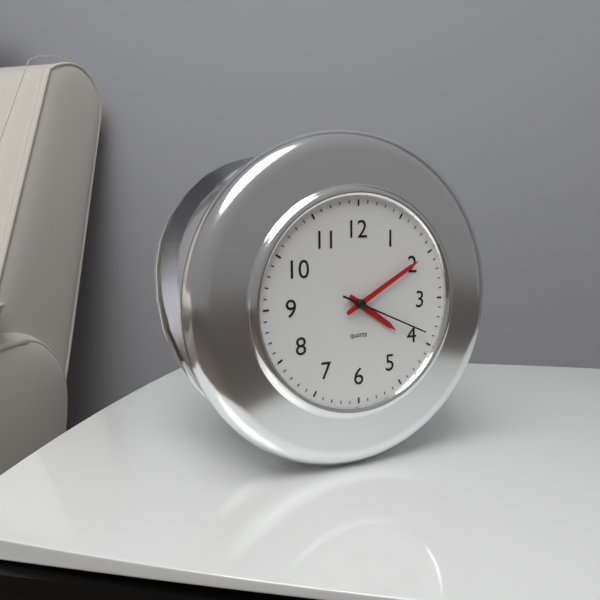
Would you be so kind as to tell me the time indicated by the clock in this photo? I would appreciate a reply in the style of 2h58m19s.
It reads 4h10m19s
